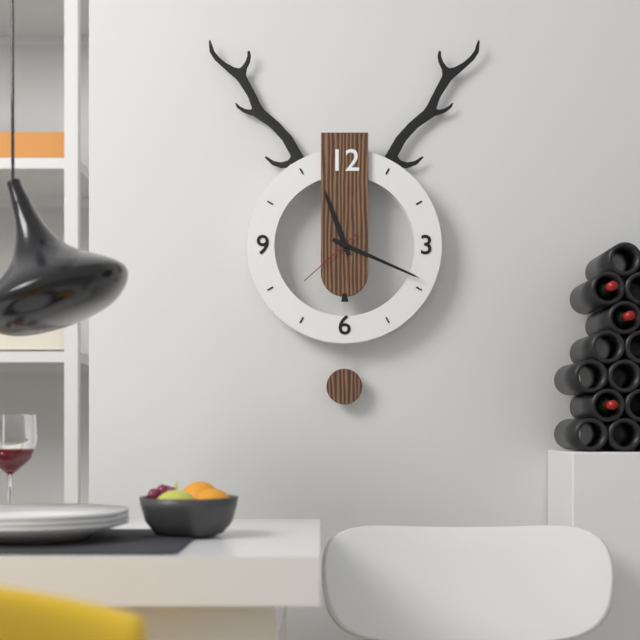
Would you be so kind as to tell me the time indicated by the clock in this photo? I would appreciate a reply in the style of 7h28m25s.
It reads 11h19m38s
